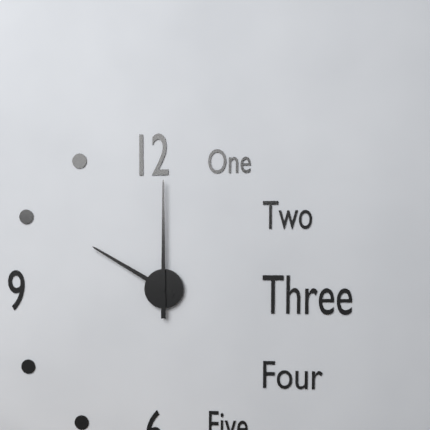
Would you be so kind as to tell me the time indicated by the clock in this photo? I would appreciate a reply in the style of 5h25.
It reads 10h00
